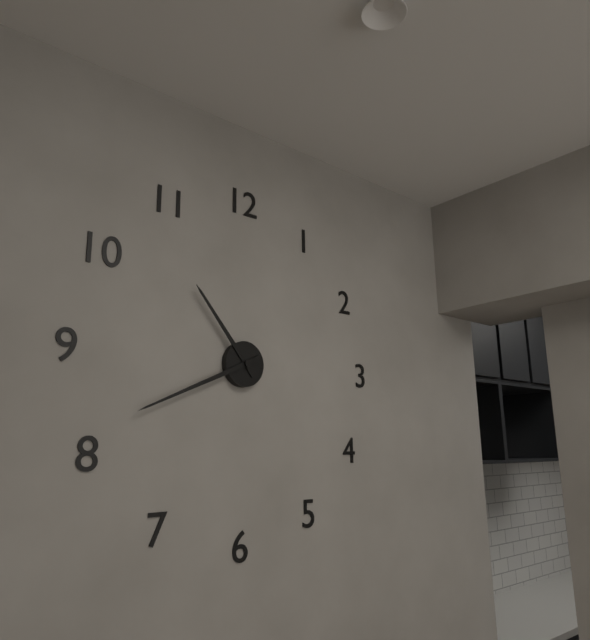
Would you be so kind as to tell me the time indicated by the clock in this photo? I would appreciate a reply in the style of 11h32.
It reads 10h41
